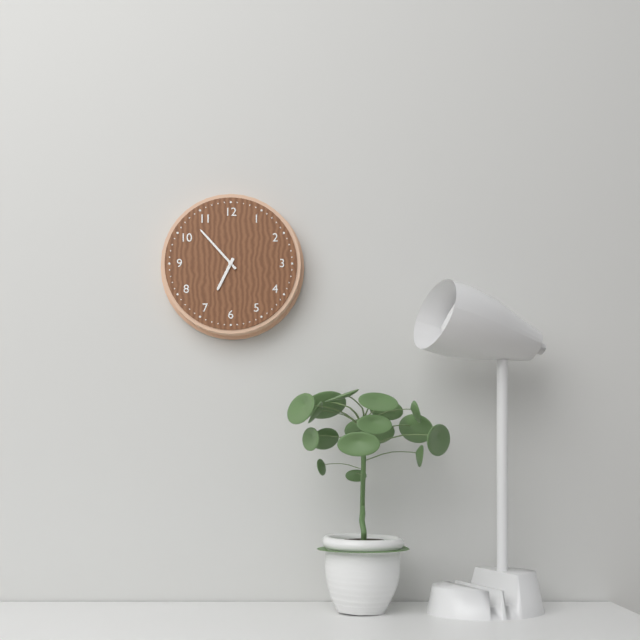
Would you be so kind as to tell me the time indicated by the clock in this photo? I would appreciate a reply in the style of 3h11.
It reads 6h53
